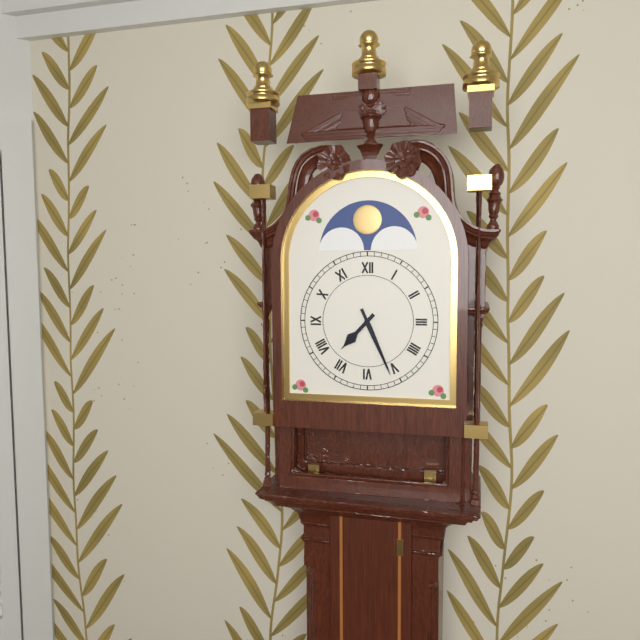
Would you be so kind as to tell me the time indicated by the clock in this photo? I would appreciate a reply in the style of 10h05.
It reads 7h26
